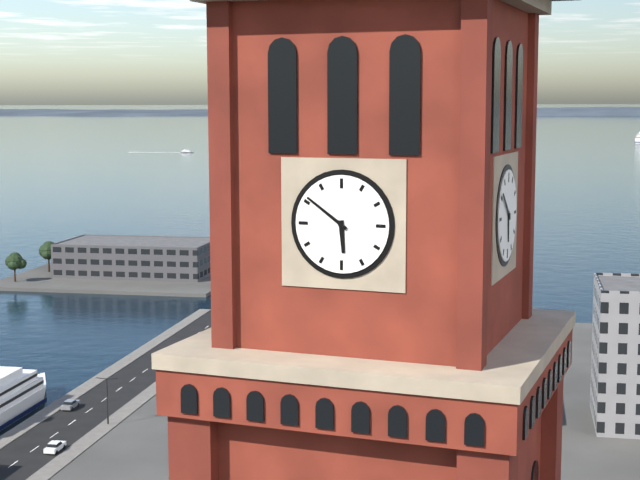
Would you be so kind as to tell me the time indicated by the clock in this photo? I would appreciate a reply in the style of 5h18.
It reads 5h51
